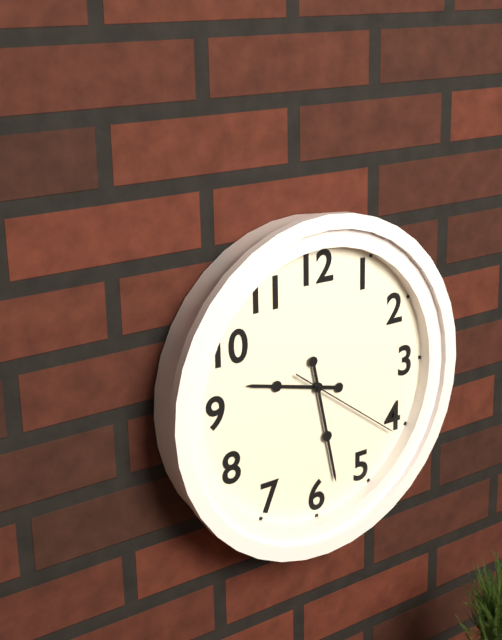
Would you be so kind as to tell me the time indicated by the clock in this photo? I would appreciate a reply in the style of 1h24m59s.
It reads 9h28m21s
